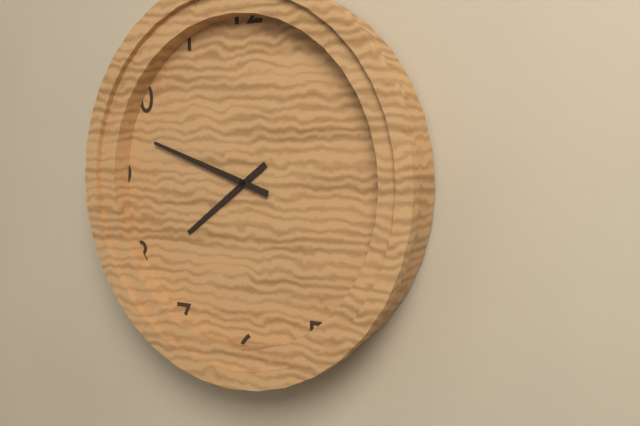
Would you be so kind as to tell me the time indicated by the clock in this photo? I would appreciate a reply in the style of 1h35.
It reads 7h48
